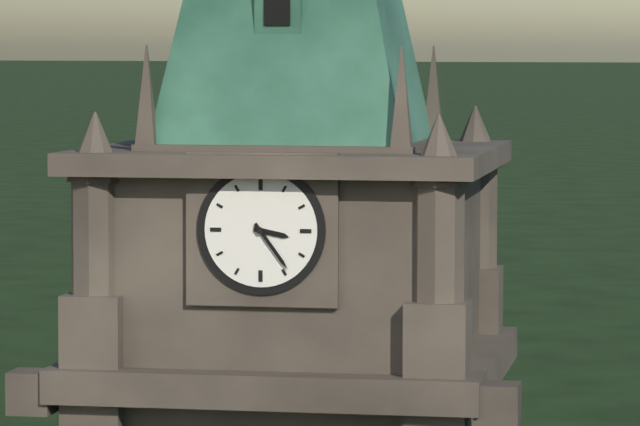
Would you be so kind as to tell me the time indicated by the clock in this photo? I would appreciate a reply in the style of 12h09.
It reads 3h24
